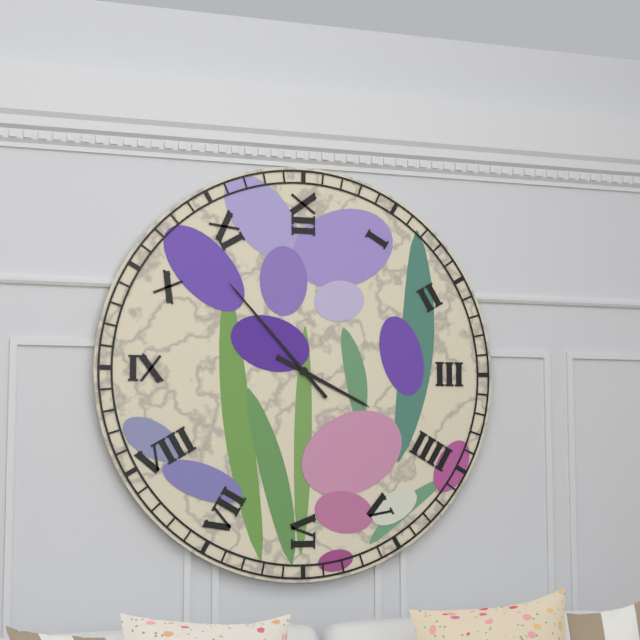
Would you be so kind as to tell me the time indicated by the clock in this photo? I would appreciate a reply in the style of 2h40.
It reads 3h53
